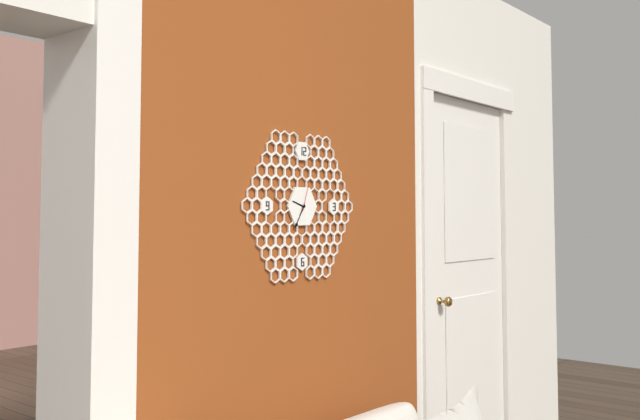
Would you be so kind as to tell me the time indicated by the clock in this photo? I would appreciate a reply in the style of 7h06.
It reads 9h35
